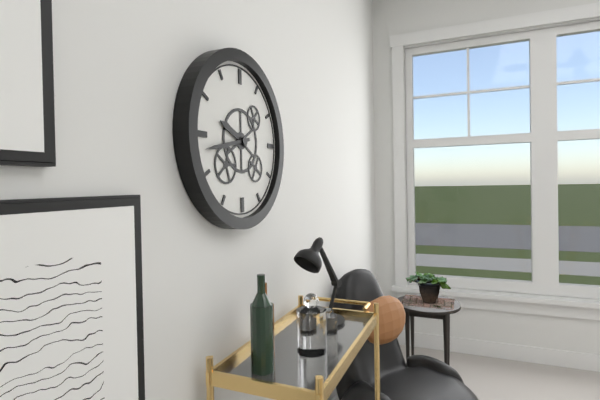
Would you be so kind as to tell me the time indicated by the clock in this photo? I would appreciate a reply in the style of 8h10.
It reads 9h43
